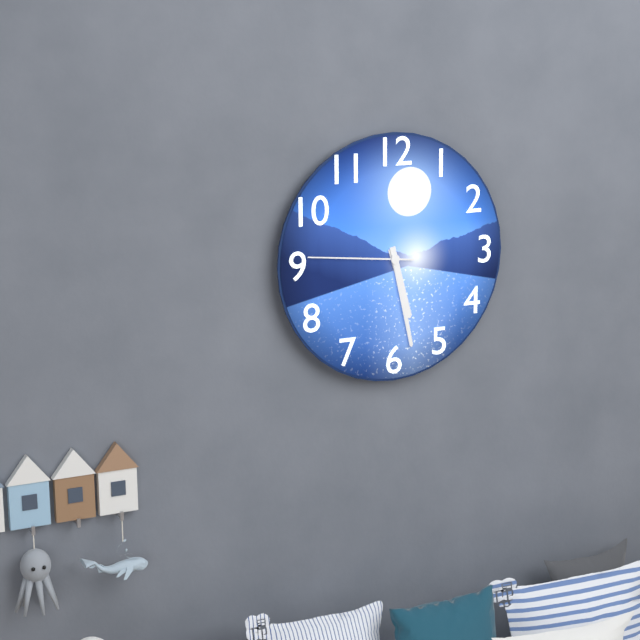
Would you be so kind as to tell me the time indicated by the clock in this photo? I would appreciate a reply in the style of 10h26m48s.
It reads 5h28m46s
